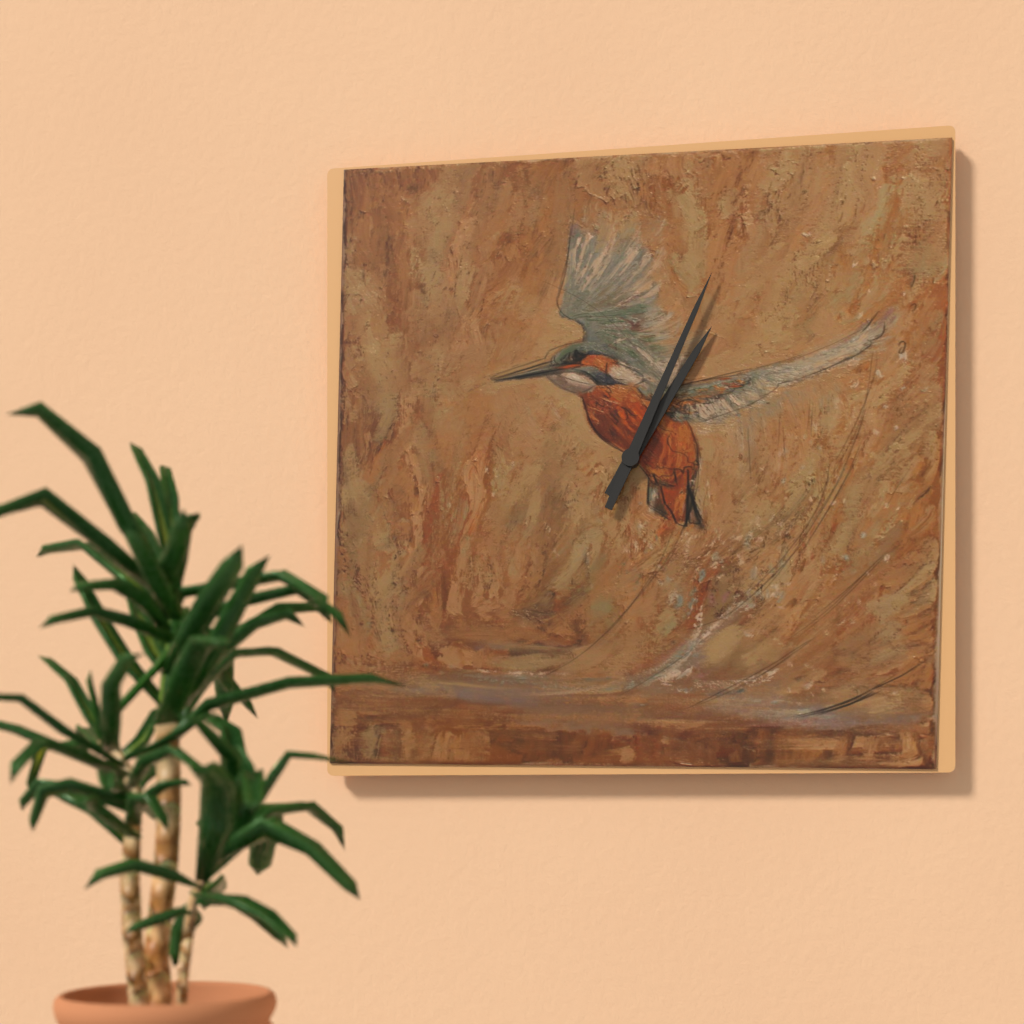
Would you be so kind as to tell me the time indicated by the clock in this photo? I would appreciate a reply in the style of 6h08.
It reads 1h04
